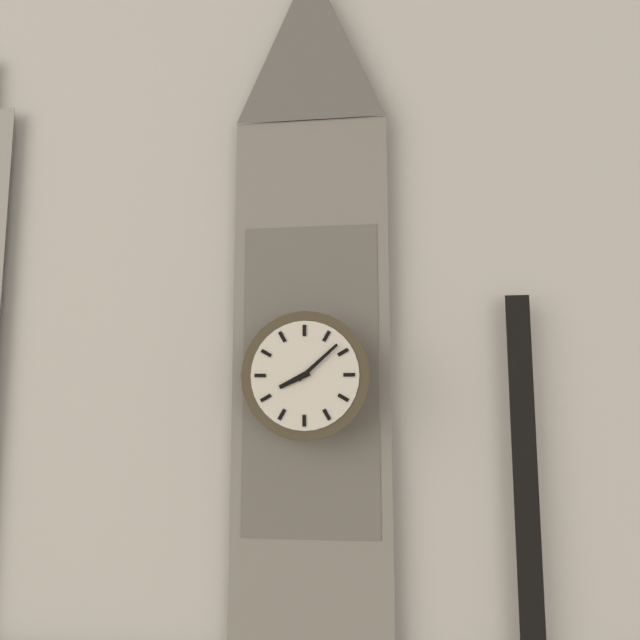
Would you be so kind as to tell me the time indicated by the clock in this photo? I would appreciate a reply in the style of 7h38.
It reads 8h08
